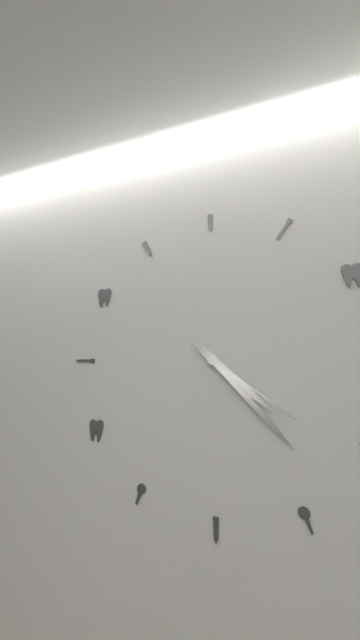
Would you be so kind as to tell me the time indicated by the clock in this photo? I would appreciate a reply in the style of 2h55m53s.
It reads 4h23m21s
